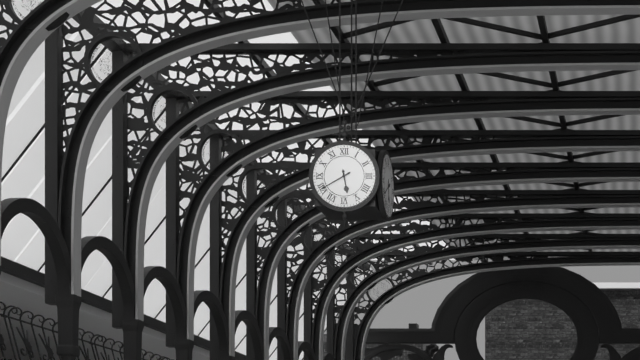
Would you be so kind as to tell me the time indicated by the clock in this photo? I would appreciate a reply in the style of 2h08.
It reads 5h40
